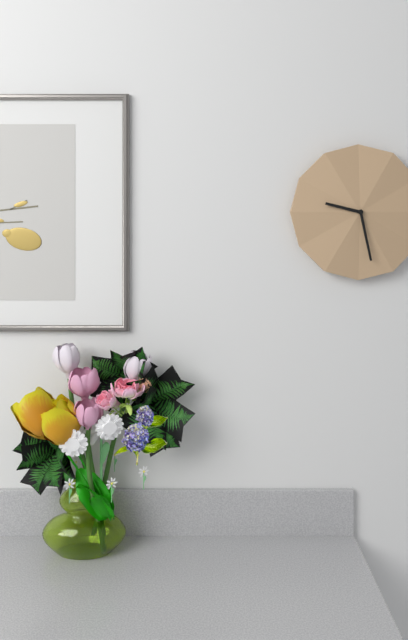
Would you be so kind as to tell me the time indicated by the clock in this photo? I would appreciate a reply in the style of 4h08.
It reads 9h28
